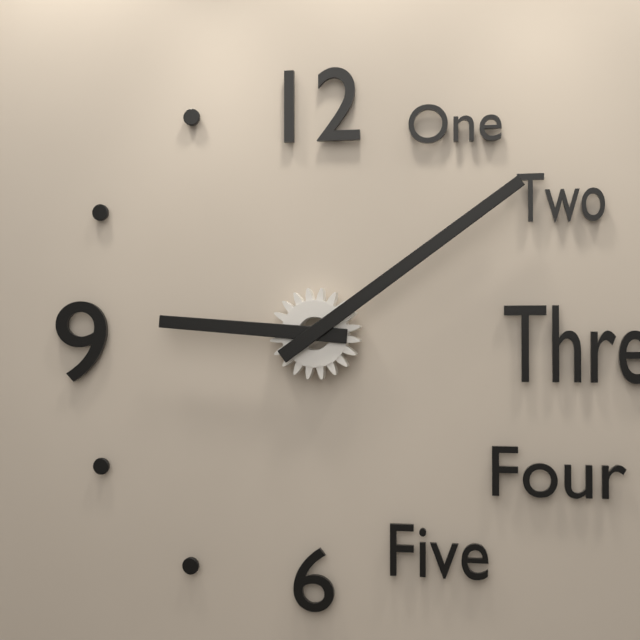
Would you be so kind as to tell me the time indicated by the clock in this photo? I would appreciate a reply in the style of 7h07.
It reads 9h09
